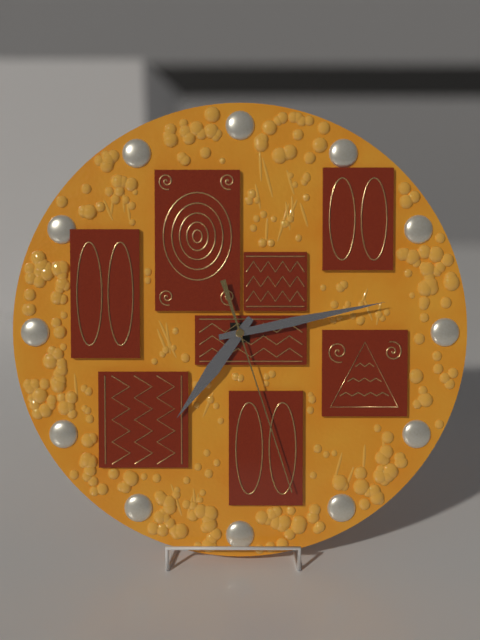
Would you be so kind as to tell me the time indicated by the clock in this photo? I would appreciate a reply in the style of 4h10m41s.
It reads 7h13m27s
